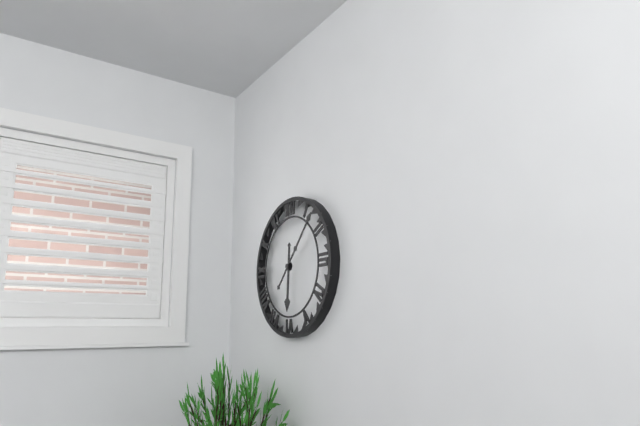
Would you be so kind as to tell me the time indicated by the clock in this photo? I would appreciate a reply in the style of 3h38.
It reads 6h07
